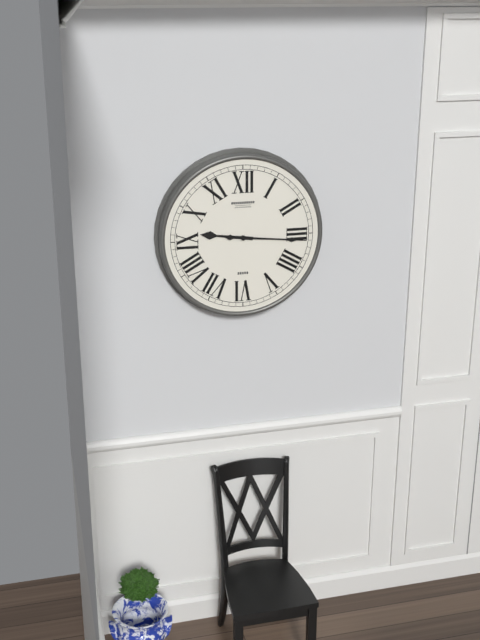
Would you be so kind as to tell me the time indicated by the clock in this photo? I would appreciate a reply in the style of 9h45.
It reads 9h16
